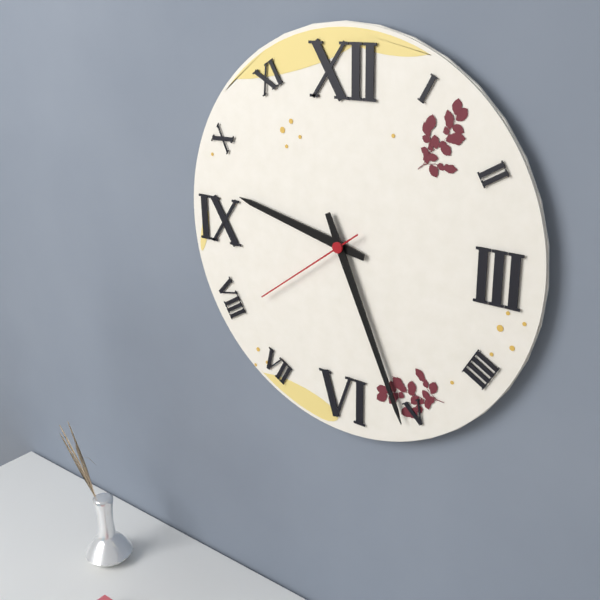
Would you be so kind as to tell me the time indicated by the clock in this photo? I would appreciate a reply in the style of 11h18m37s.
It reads 9h26m39s
